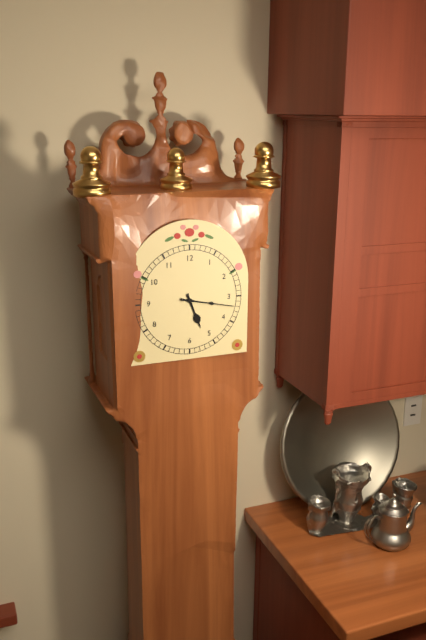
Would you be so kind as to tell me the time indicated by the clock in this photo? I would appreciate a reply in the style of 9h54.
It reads 5h17
